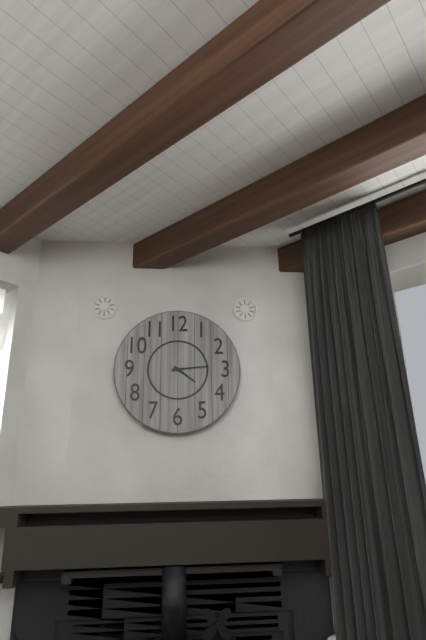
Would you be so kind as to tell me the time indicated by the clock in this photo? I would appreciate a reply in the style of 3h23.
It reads 4h14
